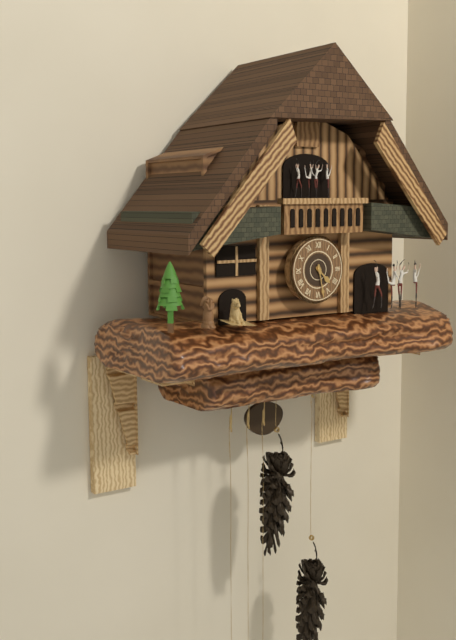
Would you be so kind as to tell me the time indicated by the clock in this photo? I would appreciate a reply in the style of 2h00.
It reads 4h28
